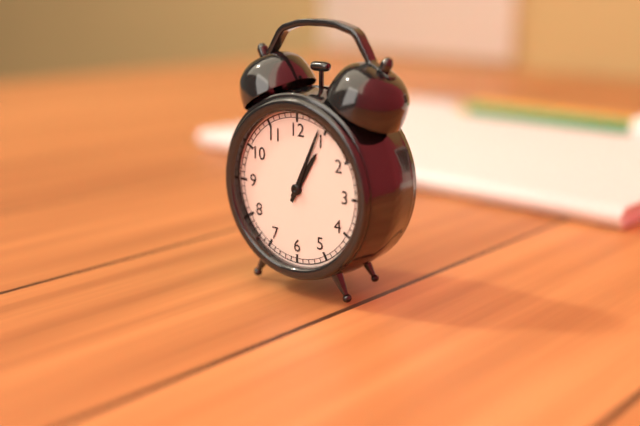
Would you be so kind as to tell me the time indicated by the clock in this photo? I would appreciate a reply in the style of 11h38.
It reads 1h04
